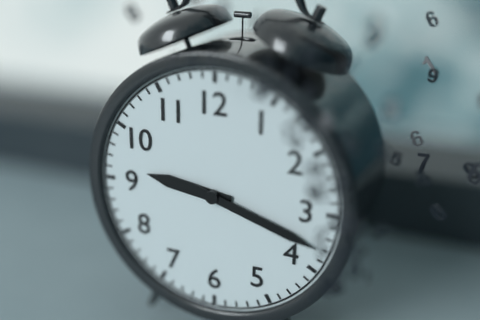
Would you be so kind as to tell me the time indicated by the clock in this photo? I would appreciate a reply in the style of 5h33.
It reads 9h18
